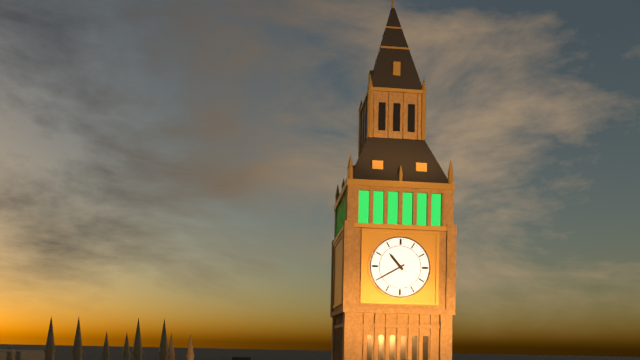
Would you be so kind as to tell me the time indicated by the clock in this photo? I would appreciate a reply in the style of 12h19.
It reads 10h40
